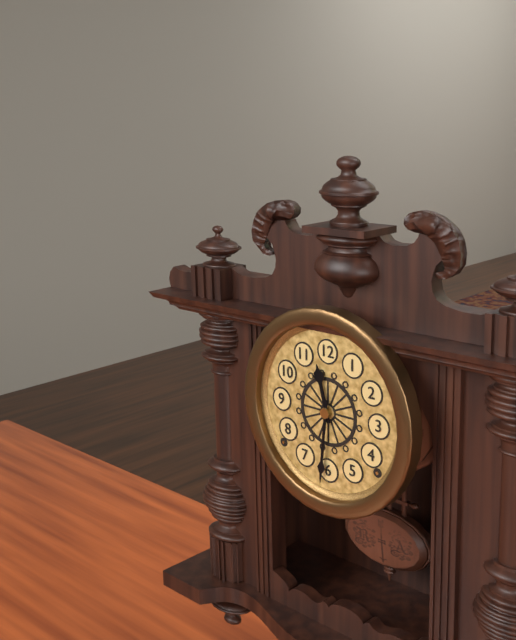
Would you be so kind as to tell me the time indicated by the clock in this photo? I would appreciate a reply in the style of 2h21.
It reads 11h31
